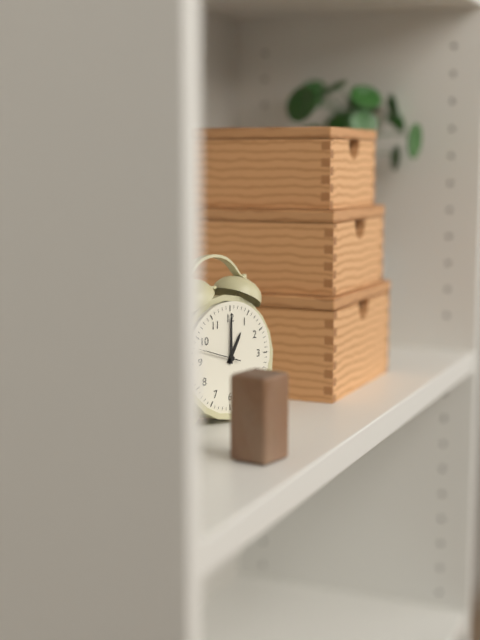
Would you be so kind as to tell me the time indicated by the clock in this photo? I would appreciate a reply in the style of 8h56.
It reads 1h00
